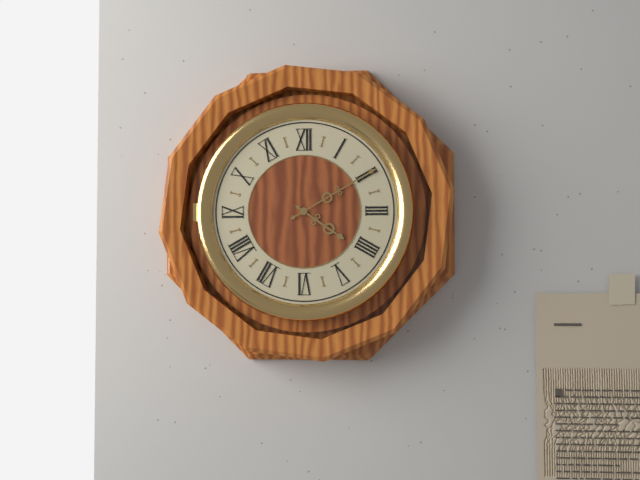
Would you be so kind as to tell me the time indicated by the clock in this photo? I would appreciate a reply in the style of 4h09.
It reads 4h10
